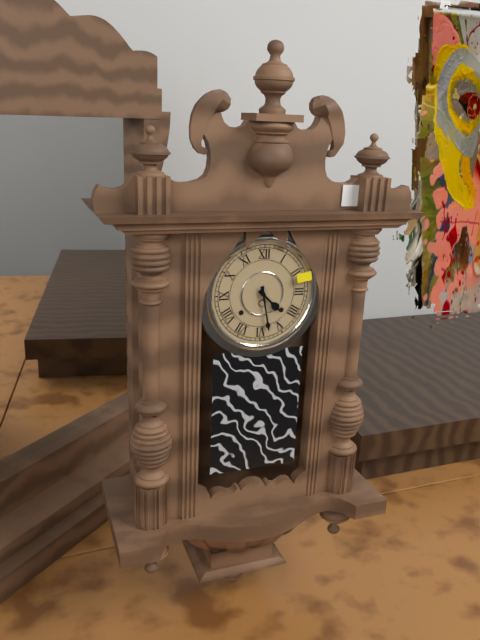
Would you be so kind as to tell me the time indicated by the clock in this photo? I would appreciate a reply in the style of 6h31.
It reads 4h28
